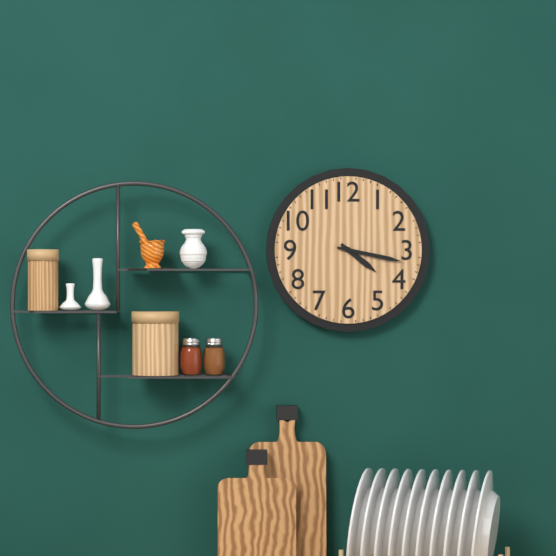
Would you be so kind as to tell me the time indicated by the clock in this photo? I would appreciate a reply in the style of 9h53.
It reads 4h17
